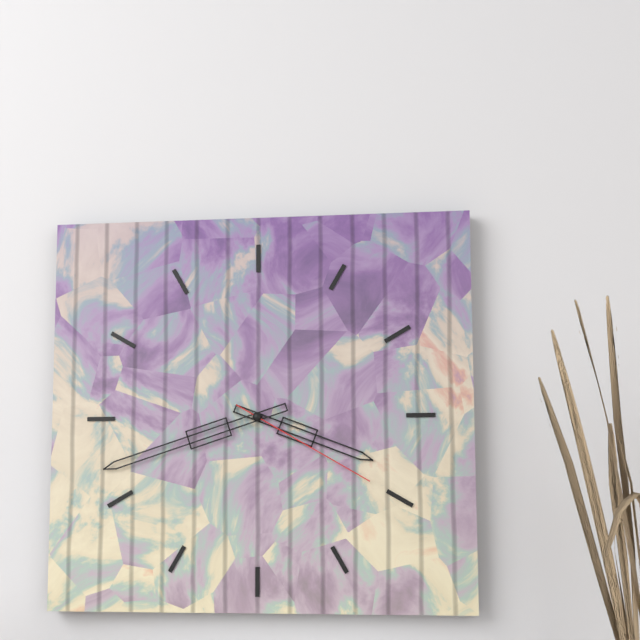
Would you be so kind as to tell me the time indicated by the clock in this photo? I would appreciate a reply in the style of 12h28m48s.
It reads 3h42m20s
